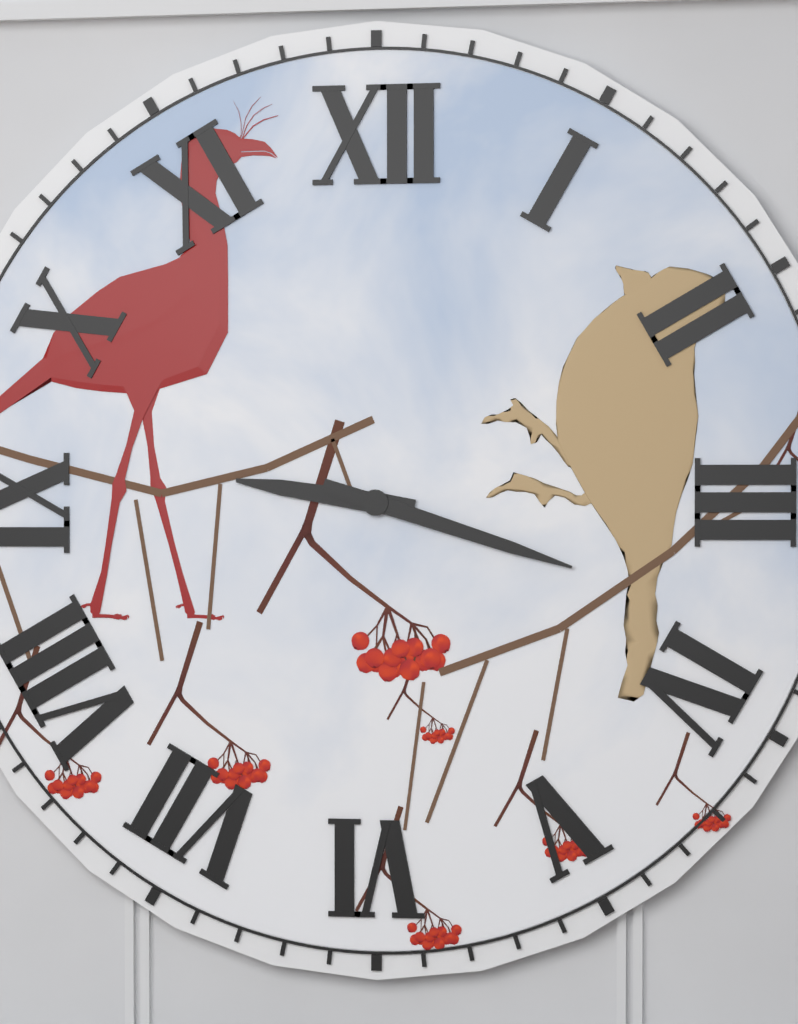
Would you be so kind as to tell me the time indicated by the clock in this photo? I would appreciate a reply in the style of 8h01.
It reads 9h18
